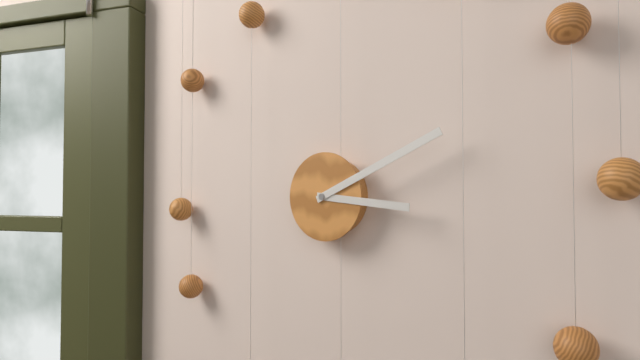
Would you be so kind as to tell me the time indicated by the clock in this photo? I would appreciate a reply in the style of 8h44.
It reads 3h11
